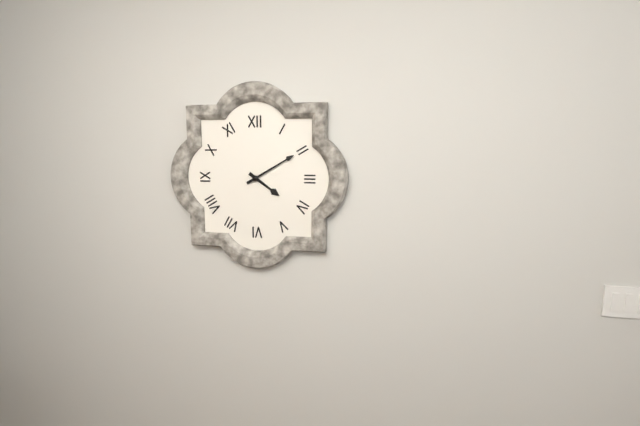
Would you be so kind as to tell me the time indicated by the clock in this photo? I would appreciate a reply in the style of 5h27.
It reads 4h10
